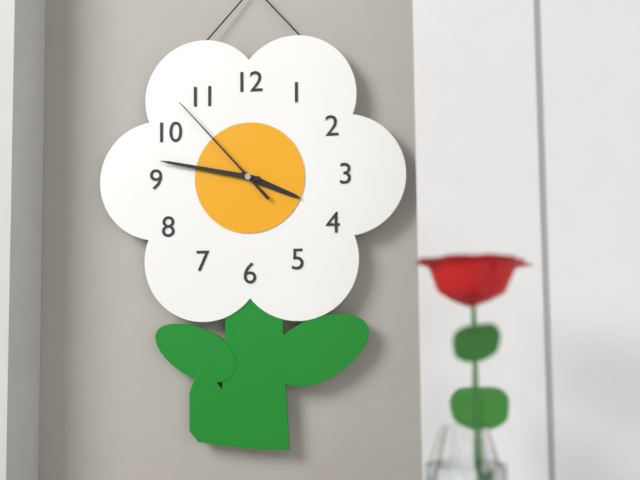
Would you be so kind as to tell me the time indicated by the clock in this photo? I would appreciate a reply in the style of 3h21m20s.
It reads 3h47m53s
